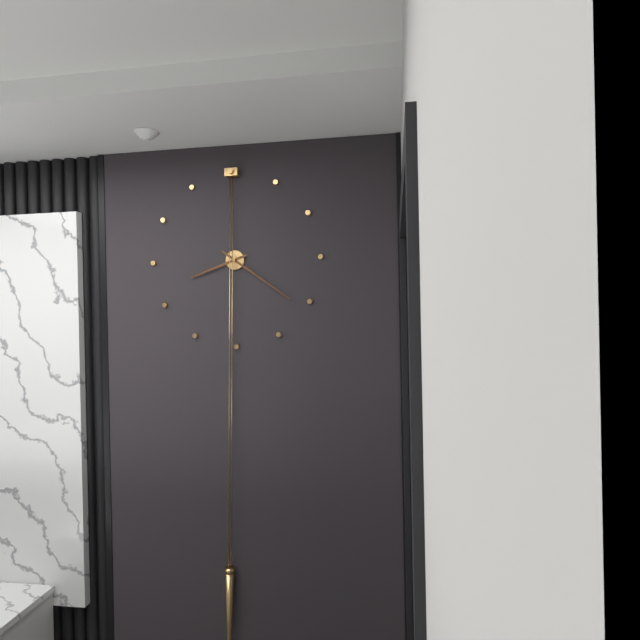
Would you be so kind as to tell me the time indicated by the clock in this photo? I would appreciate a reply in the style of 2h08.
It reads 8h21
